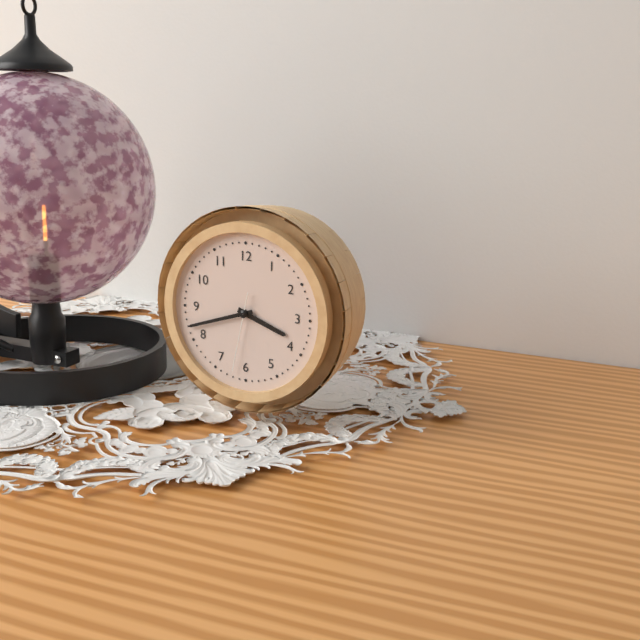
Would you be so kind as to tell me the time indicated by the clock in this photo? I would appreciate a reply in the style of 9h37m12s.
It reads 3h42m32s
